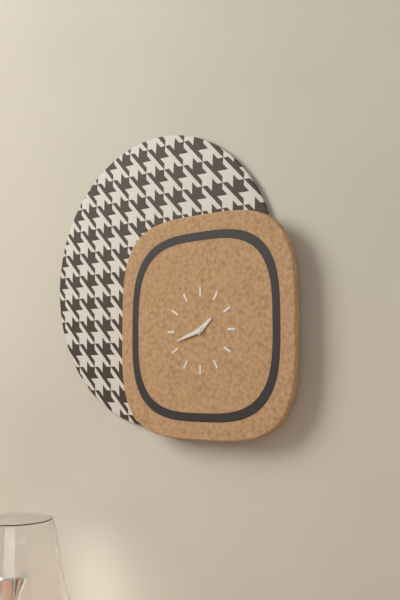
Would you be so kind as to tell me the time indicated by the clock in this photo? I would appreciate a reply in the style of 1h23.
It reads 1h42
